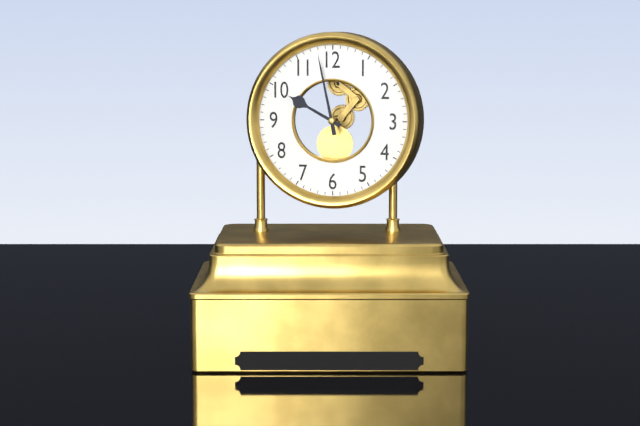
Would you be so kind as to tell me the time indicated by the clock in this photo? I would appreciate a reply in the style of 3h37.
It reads 9h58
